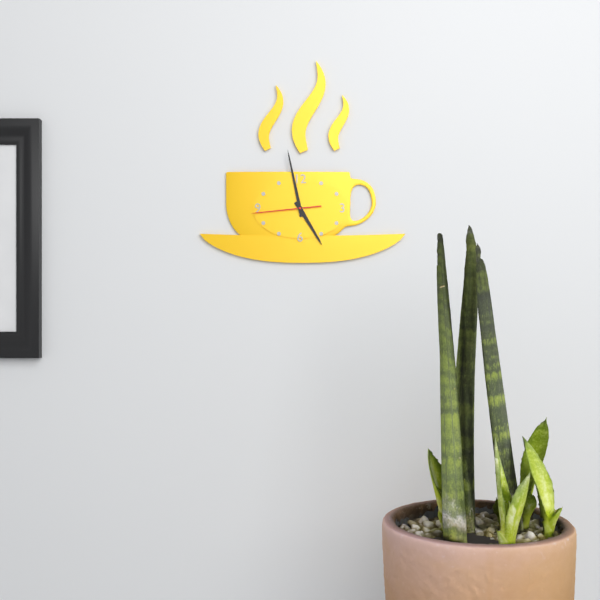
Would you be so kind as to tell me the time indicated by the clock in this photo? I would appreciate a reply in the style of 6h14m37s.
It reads 4h58m44s
